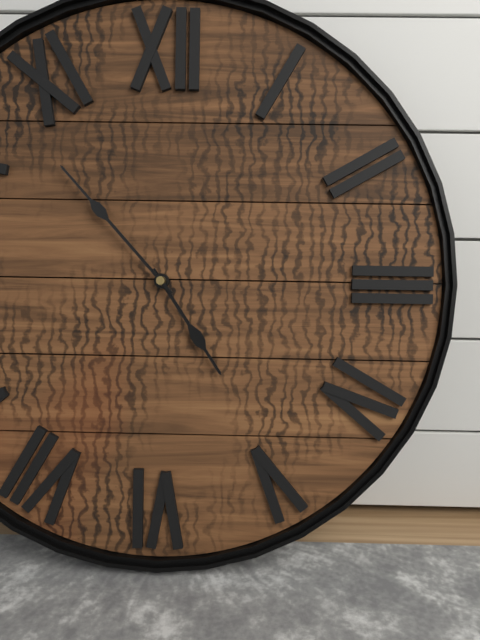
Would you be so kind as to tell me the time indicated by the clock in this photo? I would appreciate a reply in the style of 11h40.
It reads 4h53
